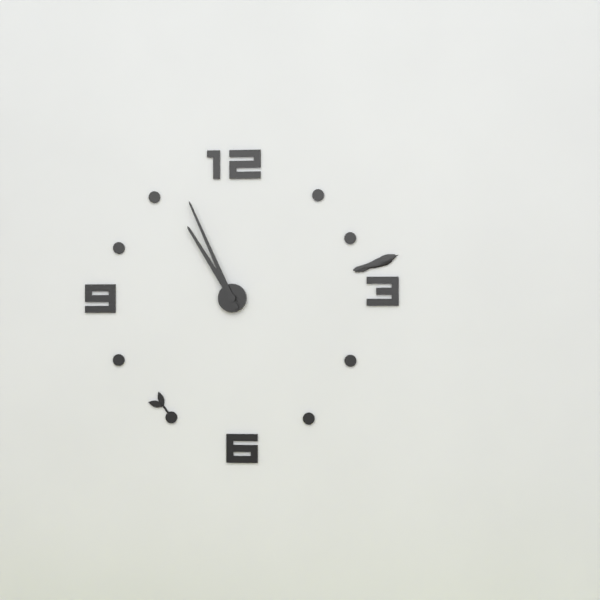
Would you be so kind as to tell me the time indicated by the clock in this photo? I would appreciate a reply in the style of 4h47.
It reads 10h56
